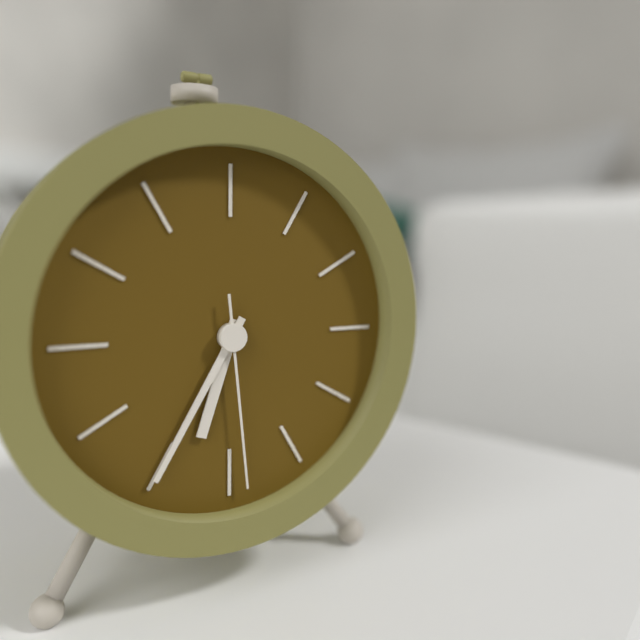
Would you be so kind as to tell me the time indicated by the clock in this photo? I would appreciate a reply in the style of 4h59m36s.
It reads 6h35m29s
